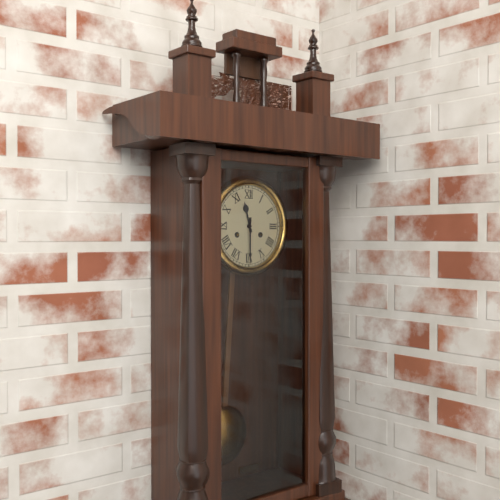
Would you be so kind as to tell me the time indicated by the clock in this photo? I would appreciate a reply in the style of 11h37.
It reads 11h30
